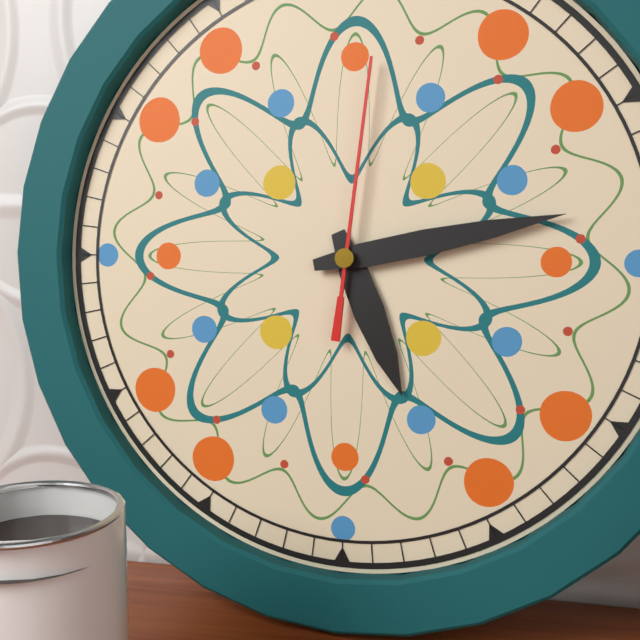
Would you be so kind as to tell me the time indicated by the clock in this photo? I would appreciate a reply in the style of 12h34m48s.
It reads 5h13m01s
